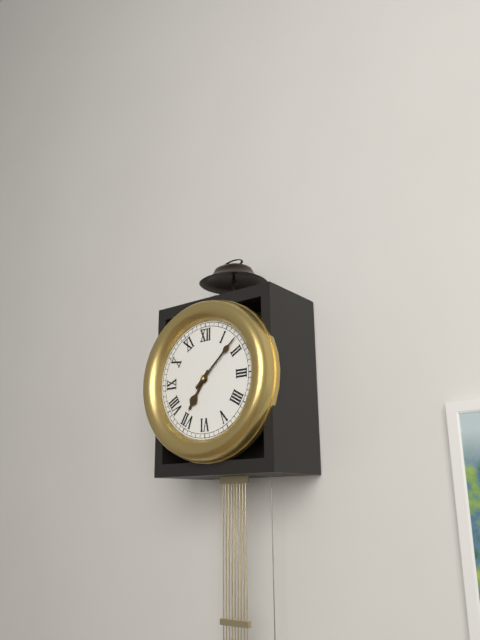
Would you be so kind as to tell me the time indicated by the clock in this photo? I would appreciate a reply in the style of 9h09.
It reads 7h08
